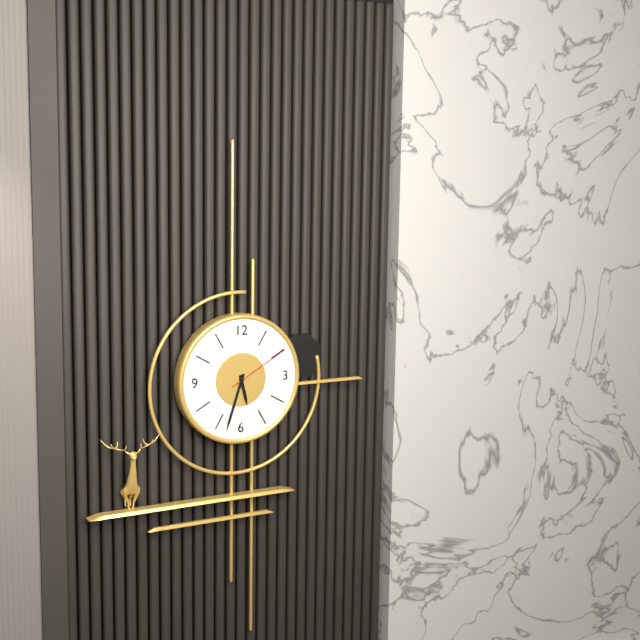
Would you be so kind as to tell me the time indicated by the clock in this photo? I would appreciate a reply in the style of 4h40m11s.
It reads 5h33m10s
